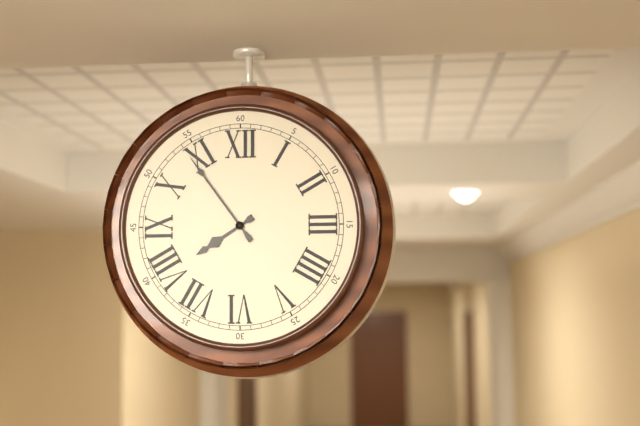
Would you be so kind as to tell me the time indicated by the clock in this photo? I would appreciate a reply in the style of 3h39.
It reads 7h54
